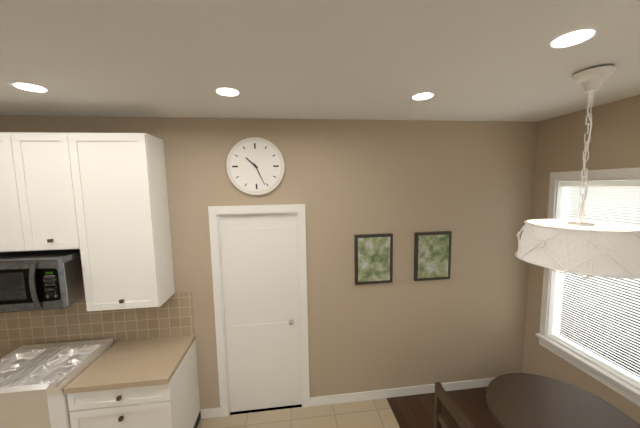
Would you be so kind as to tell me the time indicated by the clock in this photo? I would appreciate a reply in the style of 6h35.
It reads 10h26
